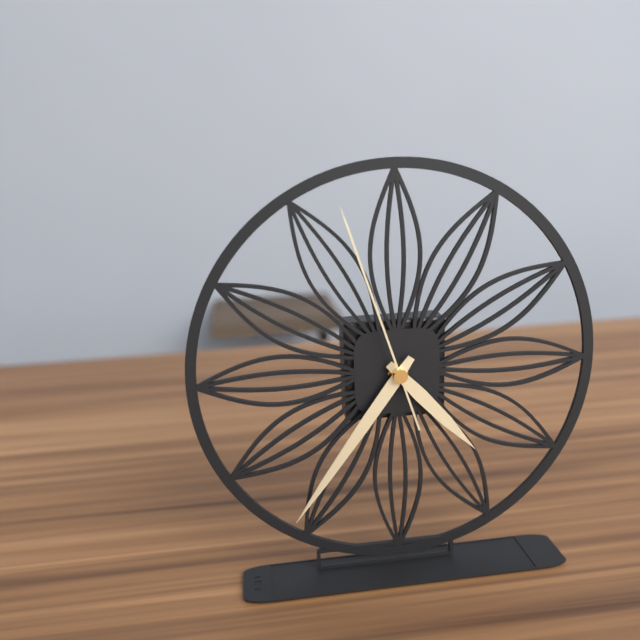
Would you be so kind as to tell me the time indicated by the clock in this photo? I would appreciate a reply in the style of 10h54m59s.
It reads 4h36m57s
